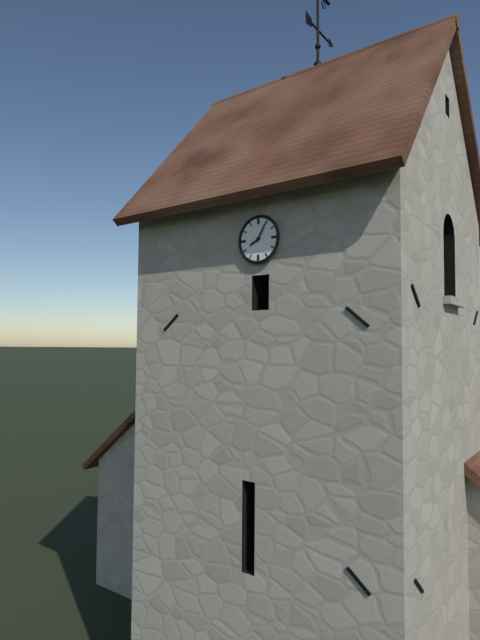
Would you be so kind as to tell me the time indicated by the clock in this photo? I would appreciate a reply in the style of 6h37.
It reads 8h05
